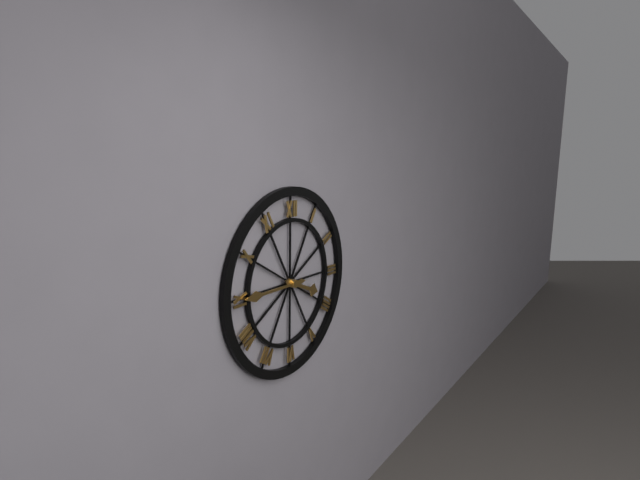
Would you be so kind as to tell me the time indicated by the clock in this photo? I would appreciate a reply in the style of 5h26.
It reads 3h45
